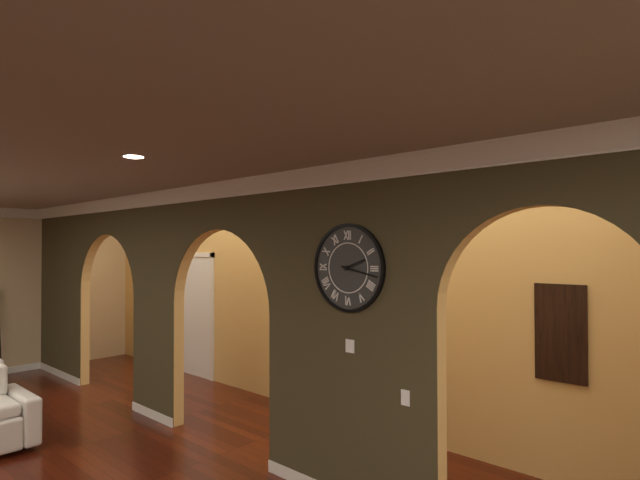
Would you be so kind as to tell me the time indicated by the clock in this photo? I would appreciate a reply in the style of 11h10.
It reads 2h17
